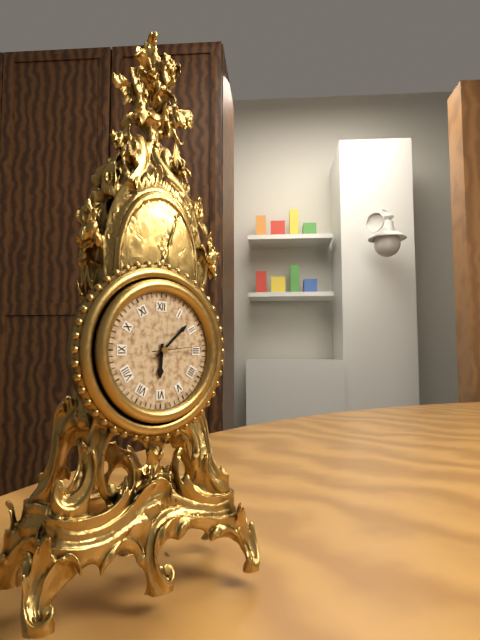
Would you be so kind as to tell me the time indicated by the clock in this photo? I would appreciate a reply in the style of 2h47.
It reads 6h08
